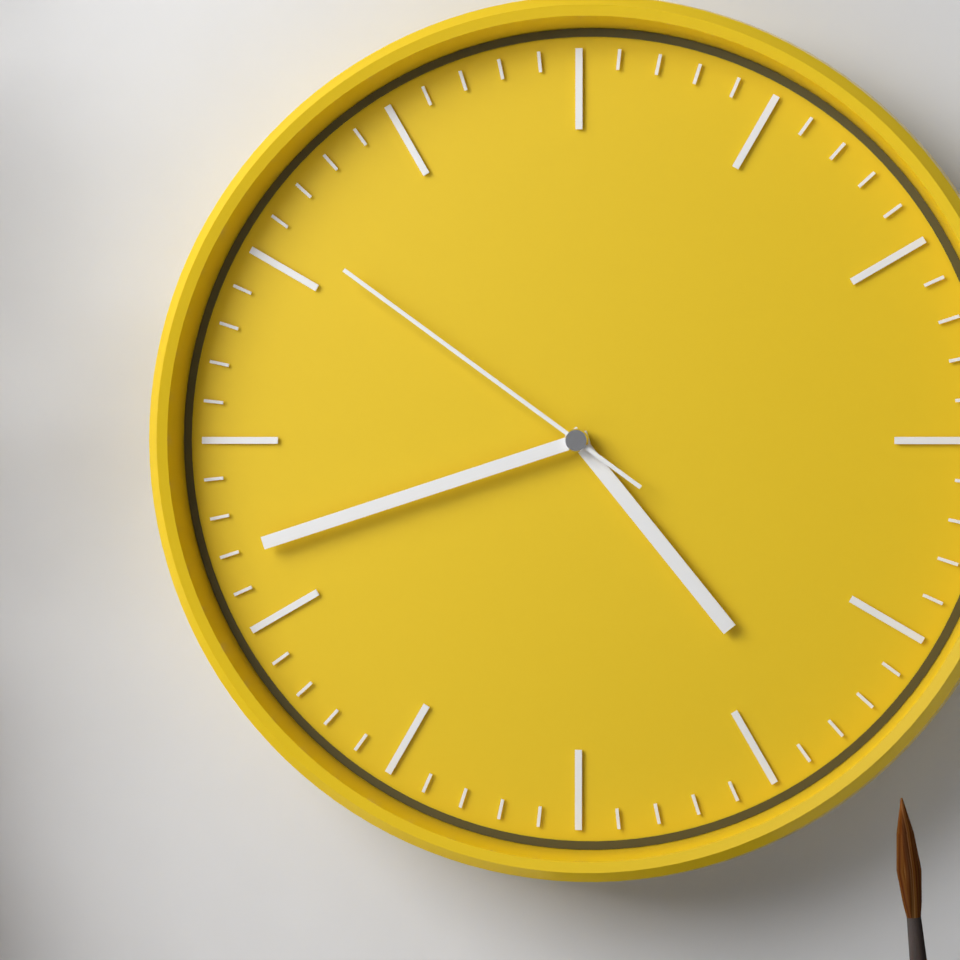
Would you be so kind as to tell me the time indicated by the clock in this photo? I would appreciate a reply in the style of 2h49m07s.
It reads 4h42m51s
